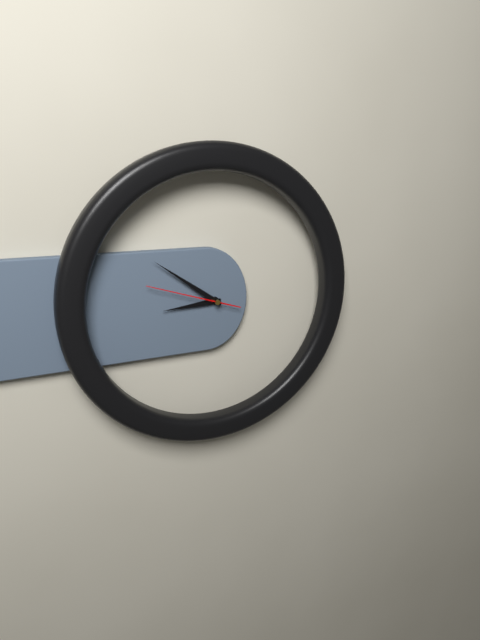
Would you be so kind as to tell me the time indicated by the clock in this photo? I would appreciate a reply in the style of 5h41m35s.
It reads 8h51m48s
